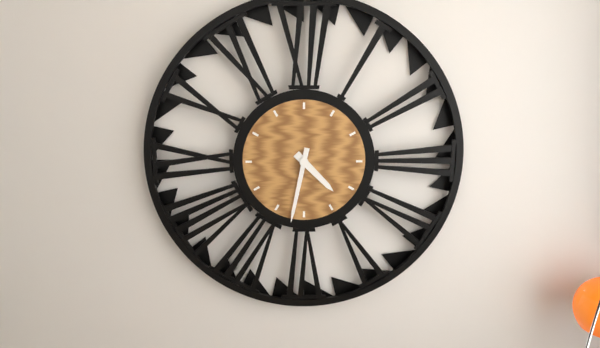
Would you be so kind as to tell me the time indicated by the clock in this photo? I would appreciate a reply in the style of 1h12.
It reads 4h32
